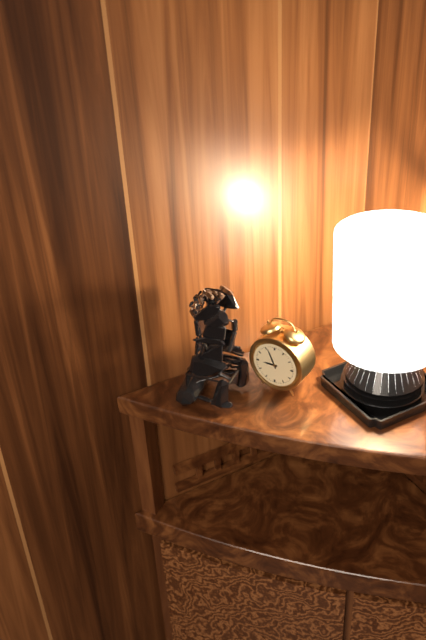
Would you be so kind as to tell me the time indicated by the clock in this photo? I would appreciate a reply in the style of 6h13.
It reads 8h56
